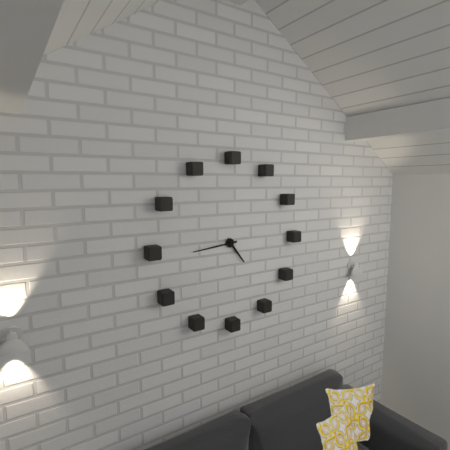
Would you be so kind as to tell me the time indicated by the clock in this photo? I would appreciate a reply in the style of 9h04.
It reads 4h44
